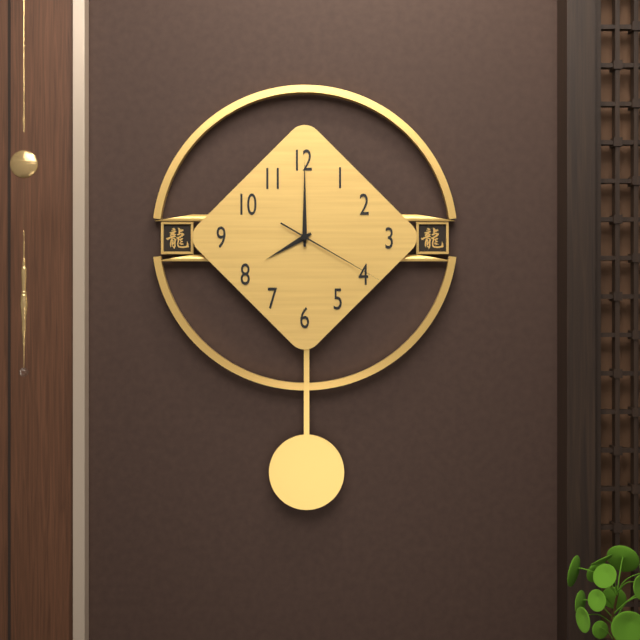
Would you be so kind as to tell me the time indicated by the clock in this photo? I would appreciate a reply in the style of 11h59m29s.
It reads 8h00m20s
